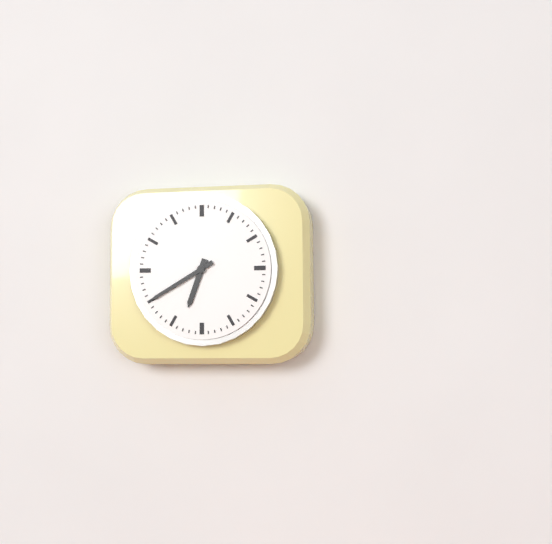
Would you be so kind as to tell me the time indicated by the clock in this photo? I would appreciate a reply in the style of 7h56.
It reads 6h40
